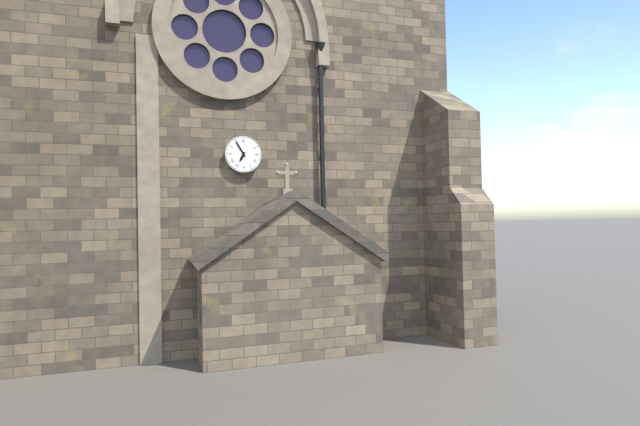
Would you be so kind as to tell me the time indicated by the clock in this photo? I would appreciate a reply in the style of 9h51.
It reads 6h55
